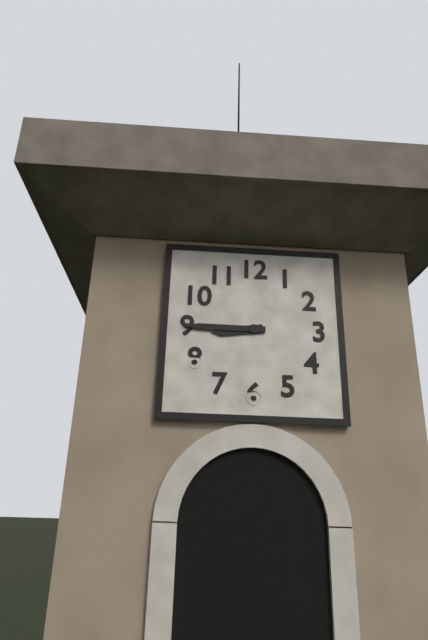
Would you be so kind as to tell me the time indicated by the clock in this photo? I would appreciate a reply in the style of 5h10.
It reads 8h45
